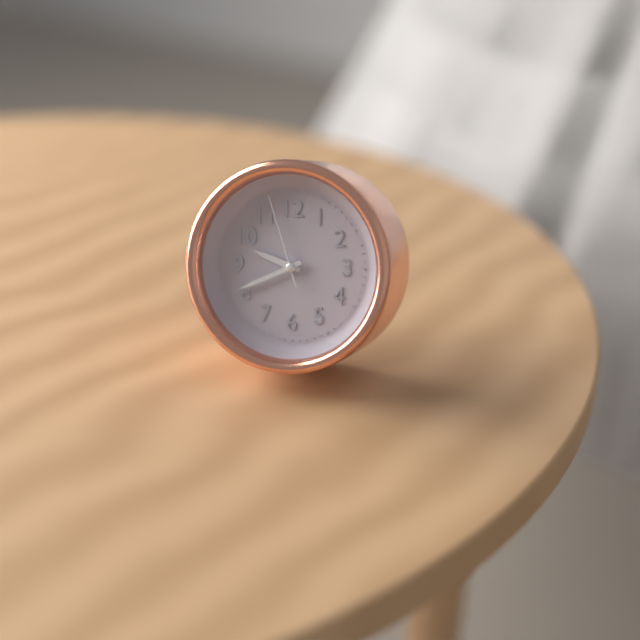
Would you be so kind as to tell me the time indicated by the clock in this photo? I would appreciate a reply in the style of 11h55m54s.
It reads 9h41m57s
